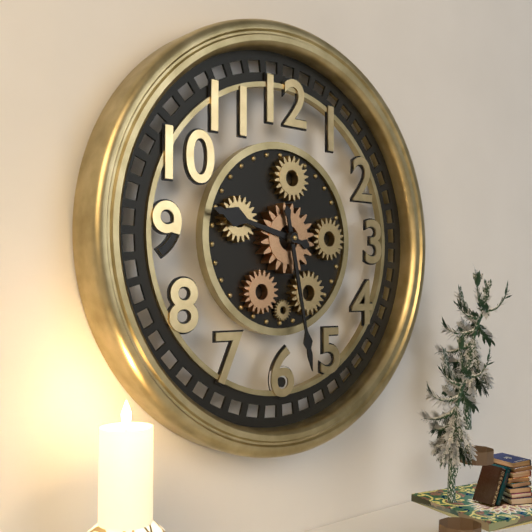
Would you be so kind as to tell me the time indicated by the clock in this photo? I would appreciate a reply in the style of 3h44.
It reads 9h28
